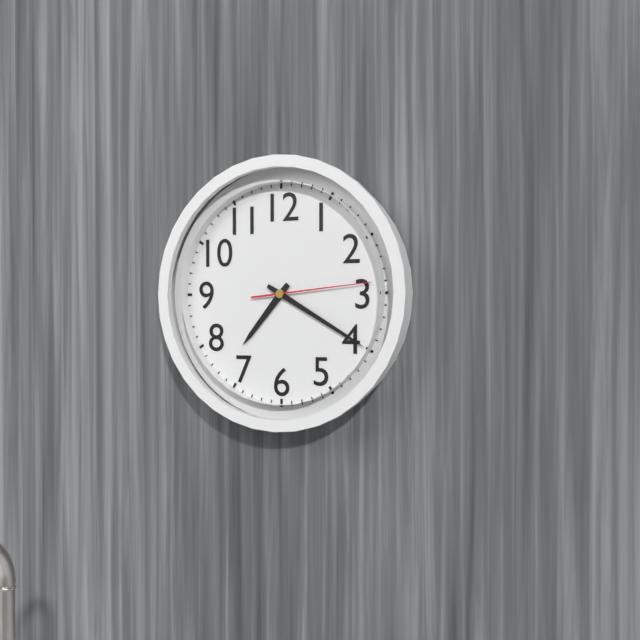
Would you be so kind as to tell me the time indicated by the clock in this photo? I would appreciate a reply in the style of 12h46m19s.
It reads 7h20m14s
